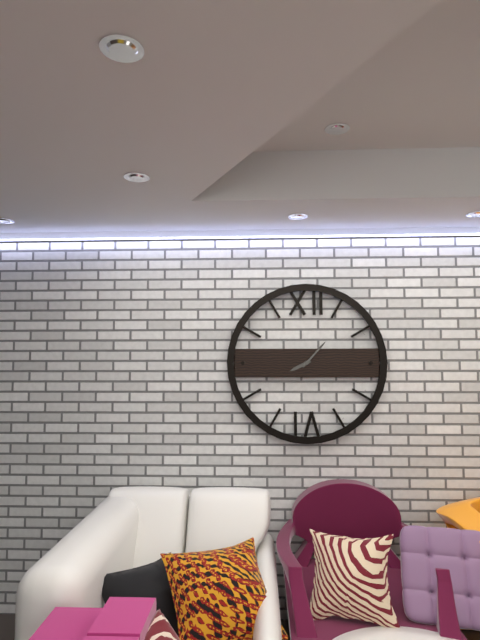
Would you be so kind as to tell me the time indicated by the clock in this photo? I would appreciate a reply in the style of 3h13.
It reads 8h07
